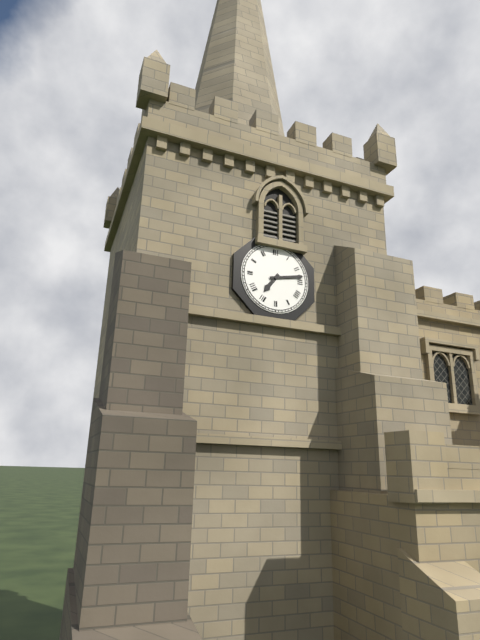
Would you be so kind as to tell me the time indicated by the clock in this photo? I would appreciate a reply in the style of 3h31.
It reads 7h13
